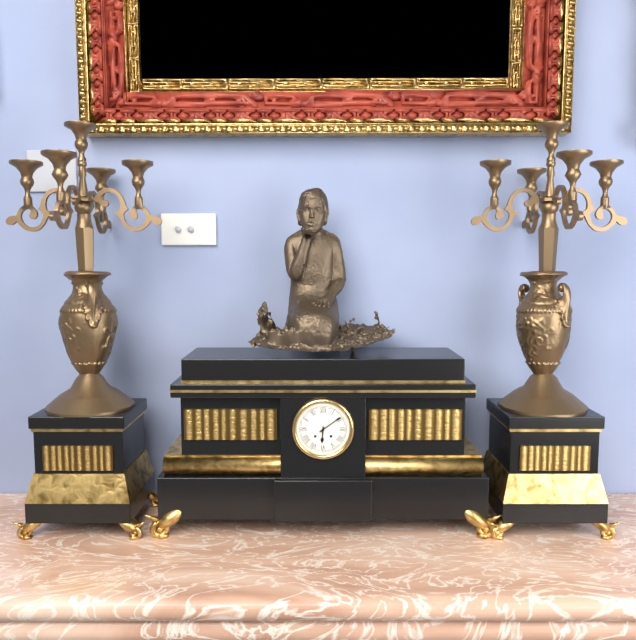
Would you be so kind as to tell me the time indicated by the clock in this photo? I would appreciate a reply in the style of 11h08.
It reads 6h09
